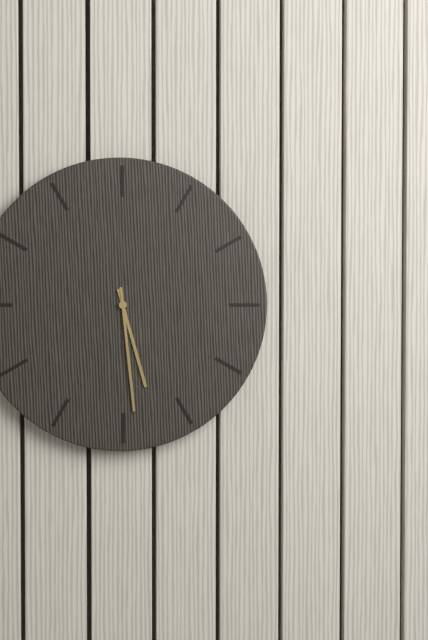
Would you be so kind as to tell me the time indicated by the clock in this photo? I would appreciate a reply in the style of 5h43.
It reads 5h29
